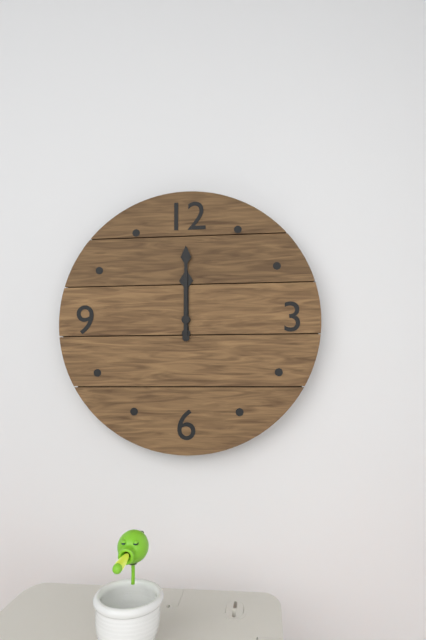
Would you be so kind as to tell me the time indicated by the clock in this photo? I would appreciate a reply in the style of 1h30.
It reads 12h00
